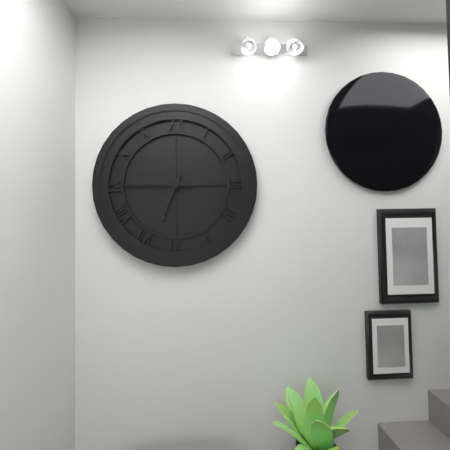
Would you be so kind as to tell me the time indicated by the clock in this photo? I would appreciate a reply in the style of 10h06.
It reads 6h45
